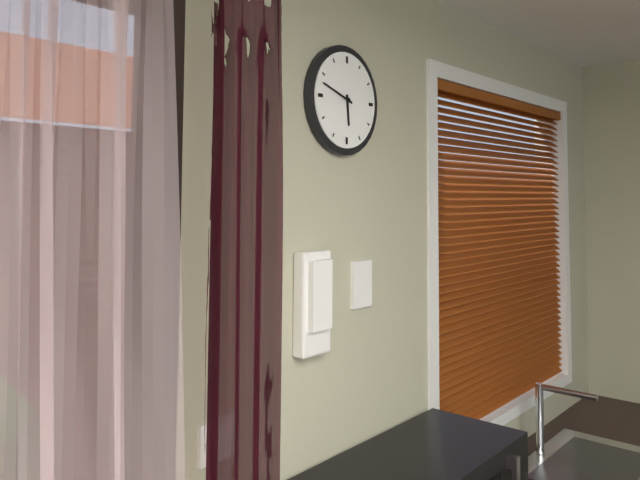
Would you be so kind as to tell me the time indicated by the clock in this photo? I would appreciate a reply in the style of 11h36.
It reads 5h48
